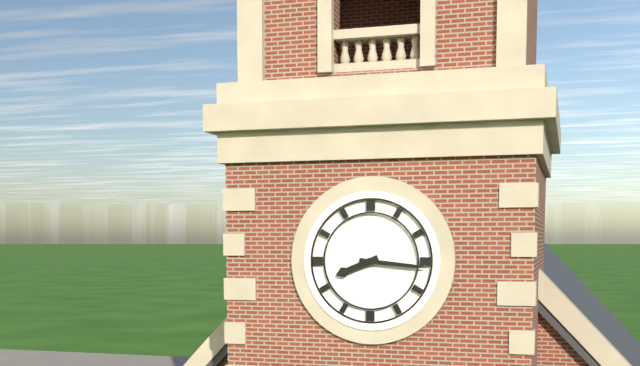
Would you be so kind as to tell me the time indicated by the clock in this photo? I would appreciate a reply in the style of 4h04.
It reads 8h16
